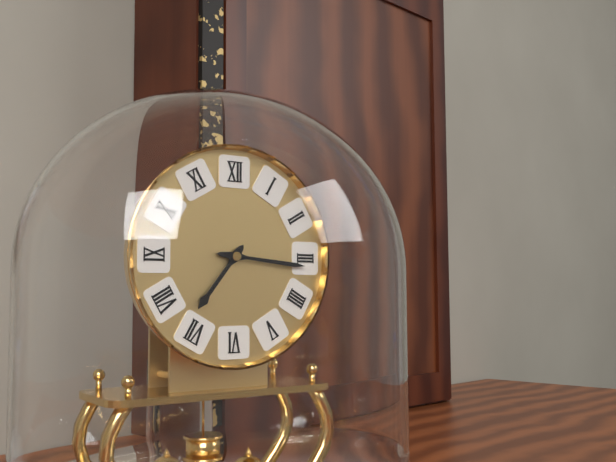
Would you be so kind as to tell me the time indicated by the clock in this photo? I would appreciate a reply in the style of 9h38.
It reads 7h16
